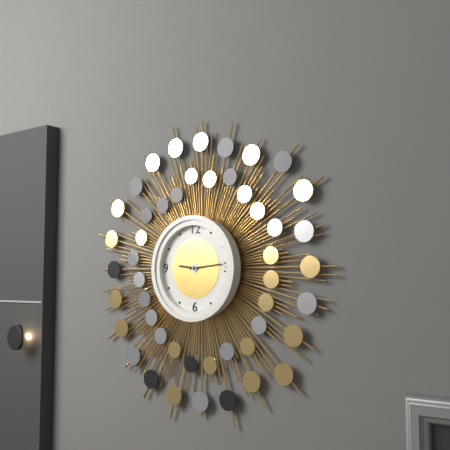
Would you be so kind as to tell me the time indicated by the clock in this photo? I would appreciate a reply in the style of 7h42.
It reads 9h14
